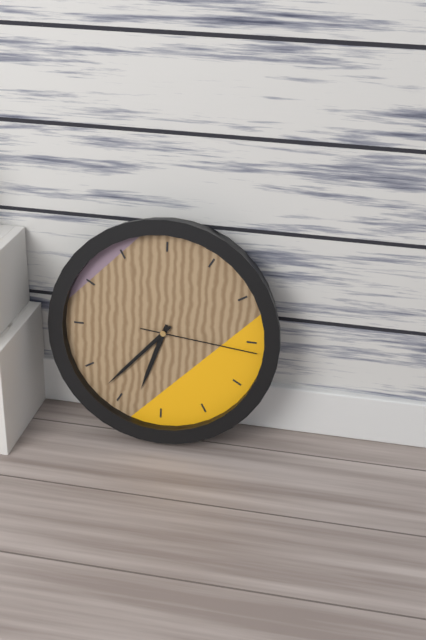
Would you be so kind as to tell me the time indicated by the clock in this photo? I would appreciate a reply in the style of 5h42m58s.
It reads 6h37m16s
